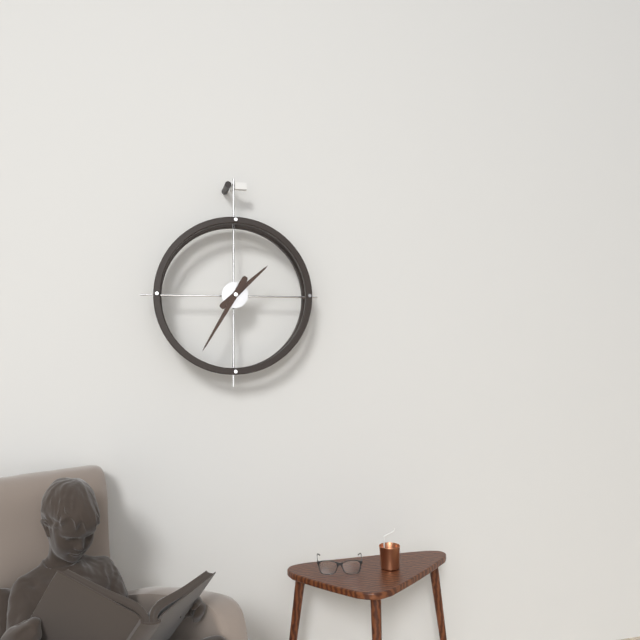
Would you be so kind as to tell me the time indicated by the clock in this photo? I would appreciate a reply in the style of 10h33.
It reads 1h35
